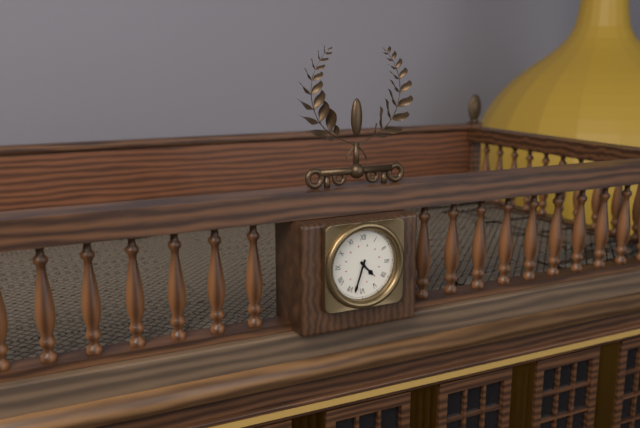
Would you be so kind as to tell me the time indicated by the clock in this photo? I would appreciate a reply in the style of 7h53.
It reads 4h33
